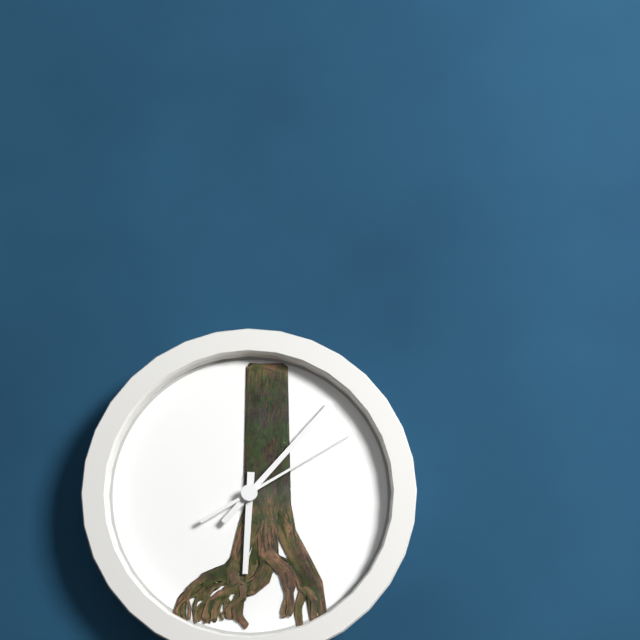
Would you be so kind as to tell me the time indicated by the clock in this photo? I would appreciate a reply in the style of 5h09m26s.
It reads 6h07m10s
